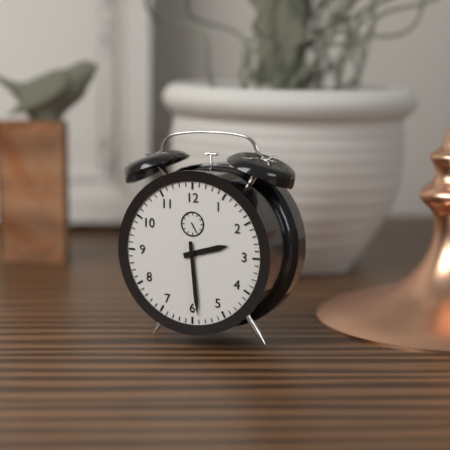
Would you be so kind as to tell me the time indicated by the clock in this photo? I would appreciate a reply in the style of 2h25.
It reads 2h29
